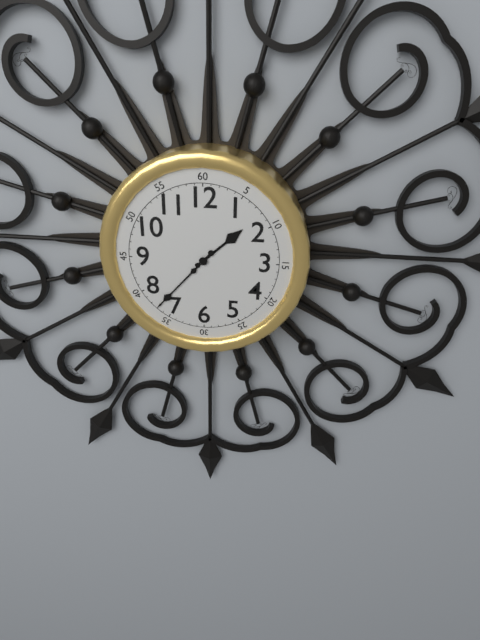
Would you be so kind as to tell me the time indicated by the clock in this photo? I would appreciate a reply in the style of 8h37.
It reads 1h37
